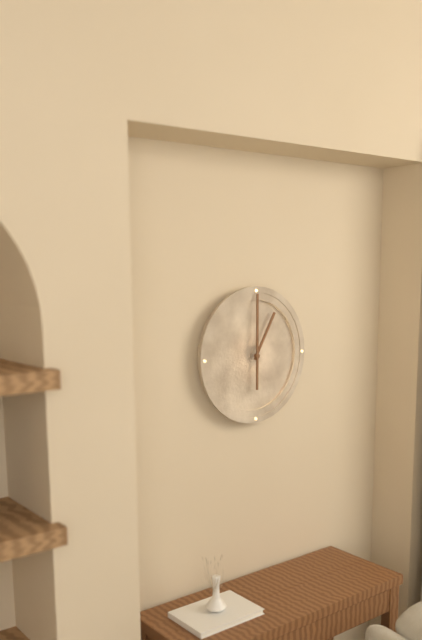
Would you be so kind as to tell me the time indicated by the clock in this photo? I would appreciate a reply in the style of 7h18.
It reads 1h00
